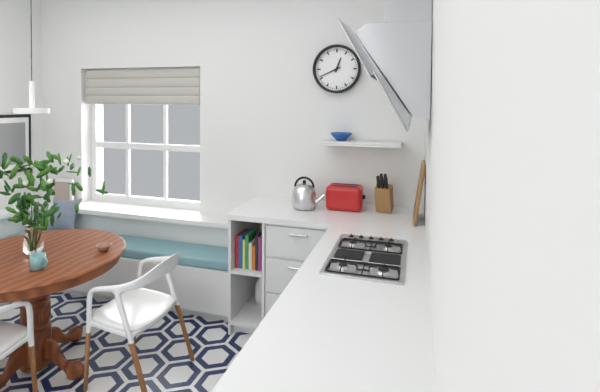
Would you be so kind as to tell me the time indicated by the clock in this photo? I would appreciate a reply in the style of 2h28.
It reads 12h41
